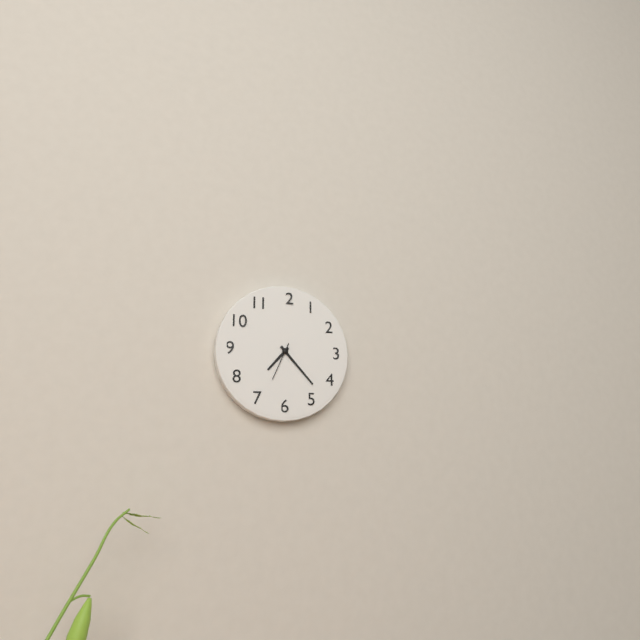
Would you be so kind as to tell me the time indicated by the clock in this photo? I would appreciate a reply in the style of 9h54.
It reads 7h23
